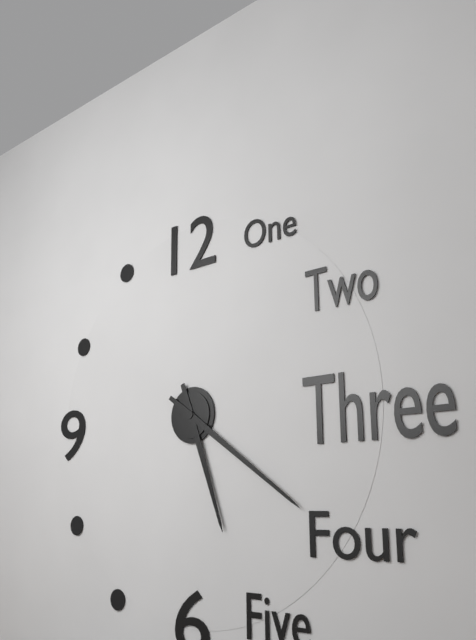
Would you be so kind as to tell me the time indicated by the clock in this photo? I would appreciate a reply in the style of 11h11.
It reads 5h21
